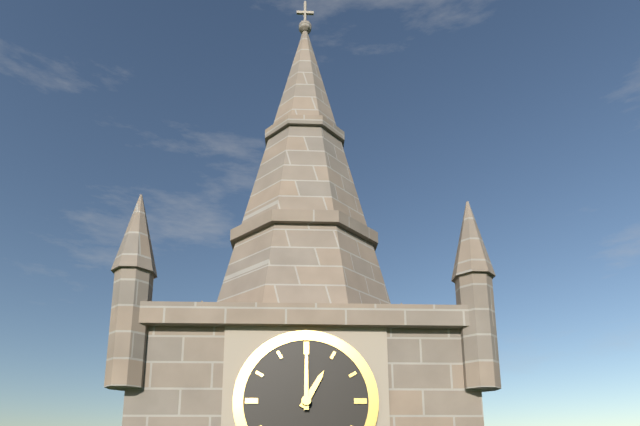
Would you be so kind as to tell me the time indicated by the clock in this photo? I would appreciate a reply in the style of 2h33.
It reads 1h00
